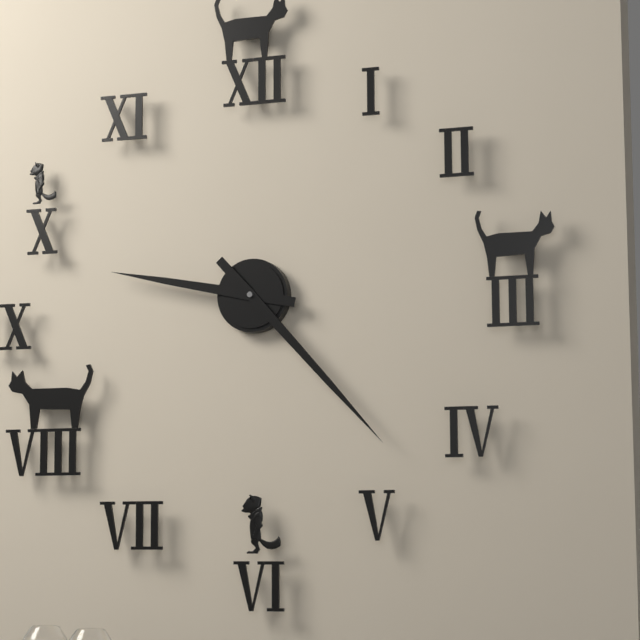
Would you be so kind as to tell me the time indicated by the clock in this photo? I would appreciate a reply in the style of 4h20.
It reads 9h23
